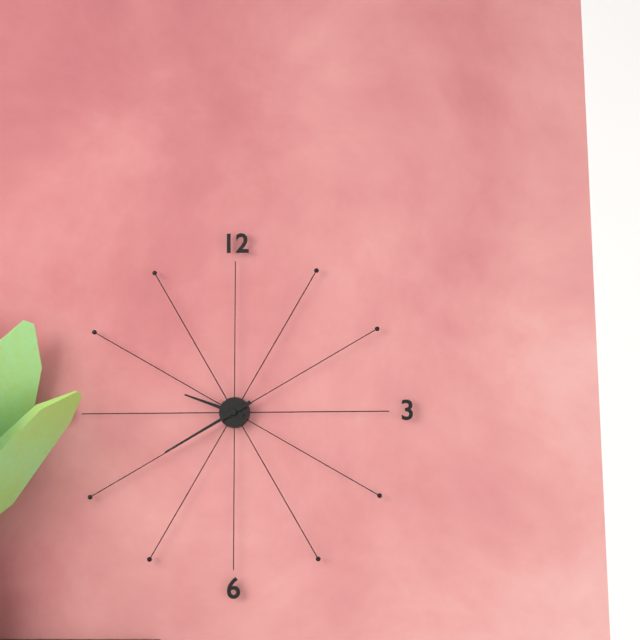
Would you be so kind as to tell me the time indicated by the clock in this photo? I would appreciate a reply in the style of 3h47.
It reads 9h40
